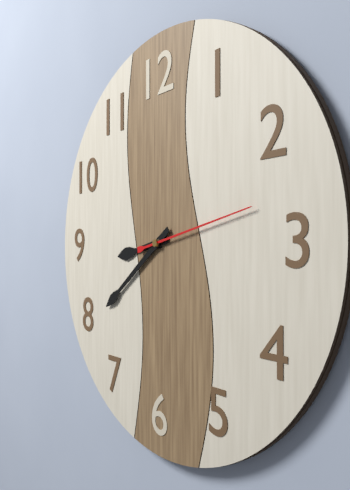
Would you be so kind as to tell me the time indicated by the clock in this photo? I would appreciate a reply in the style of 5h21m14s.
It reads 8h39m13s
